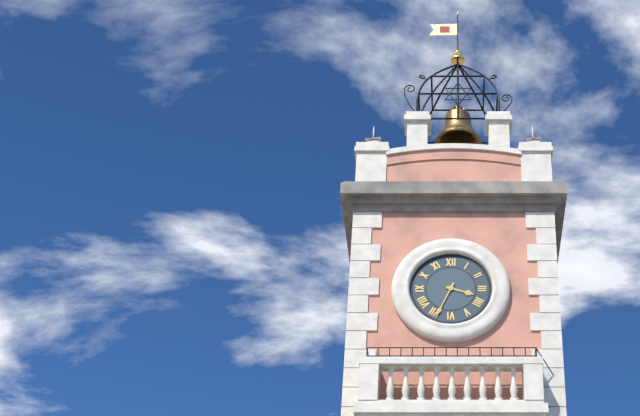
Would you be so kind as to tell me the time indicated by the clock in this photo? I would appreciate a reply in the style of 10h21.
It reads 3h34
